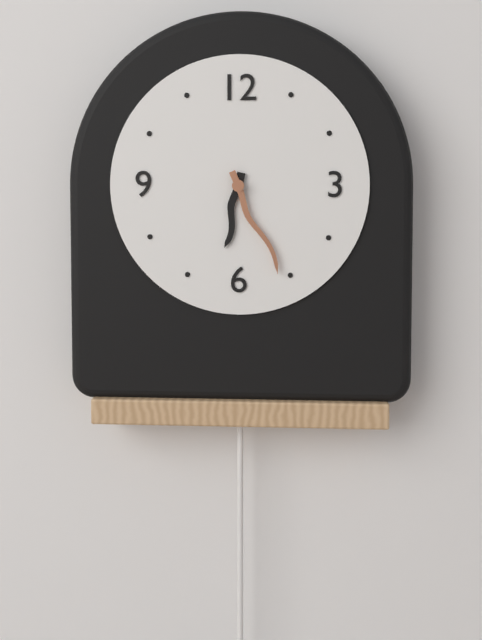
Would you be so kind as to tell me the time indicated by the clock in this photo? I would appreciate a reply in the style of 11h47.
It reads 6h26
